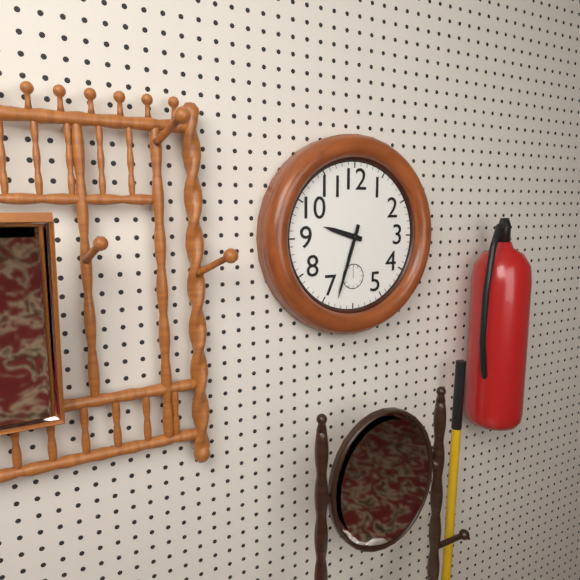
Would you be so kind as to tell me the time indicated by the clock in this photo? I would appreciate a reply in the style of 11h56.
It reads 9h33
